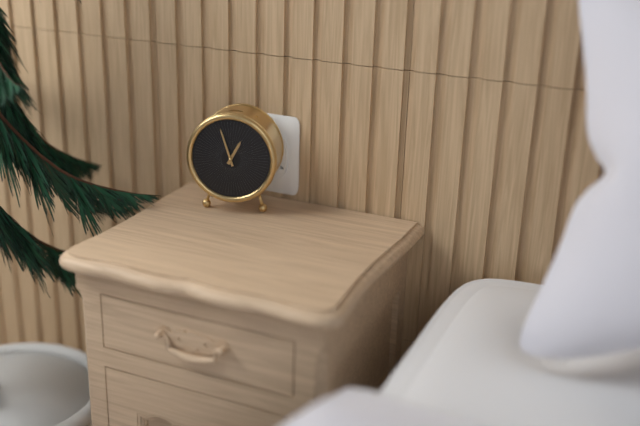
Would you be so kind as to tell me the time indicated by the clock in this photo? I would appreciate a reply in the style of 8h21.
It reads 12h57
